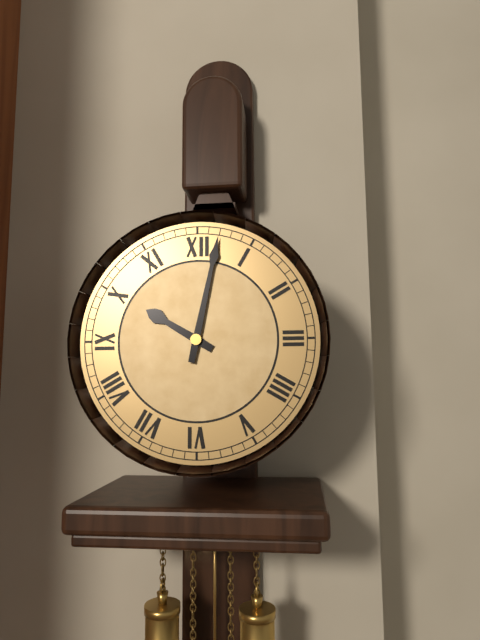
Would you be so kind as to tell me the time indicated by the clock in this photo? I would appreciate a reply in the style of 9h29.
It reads 10h02
